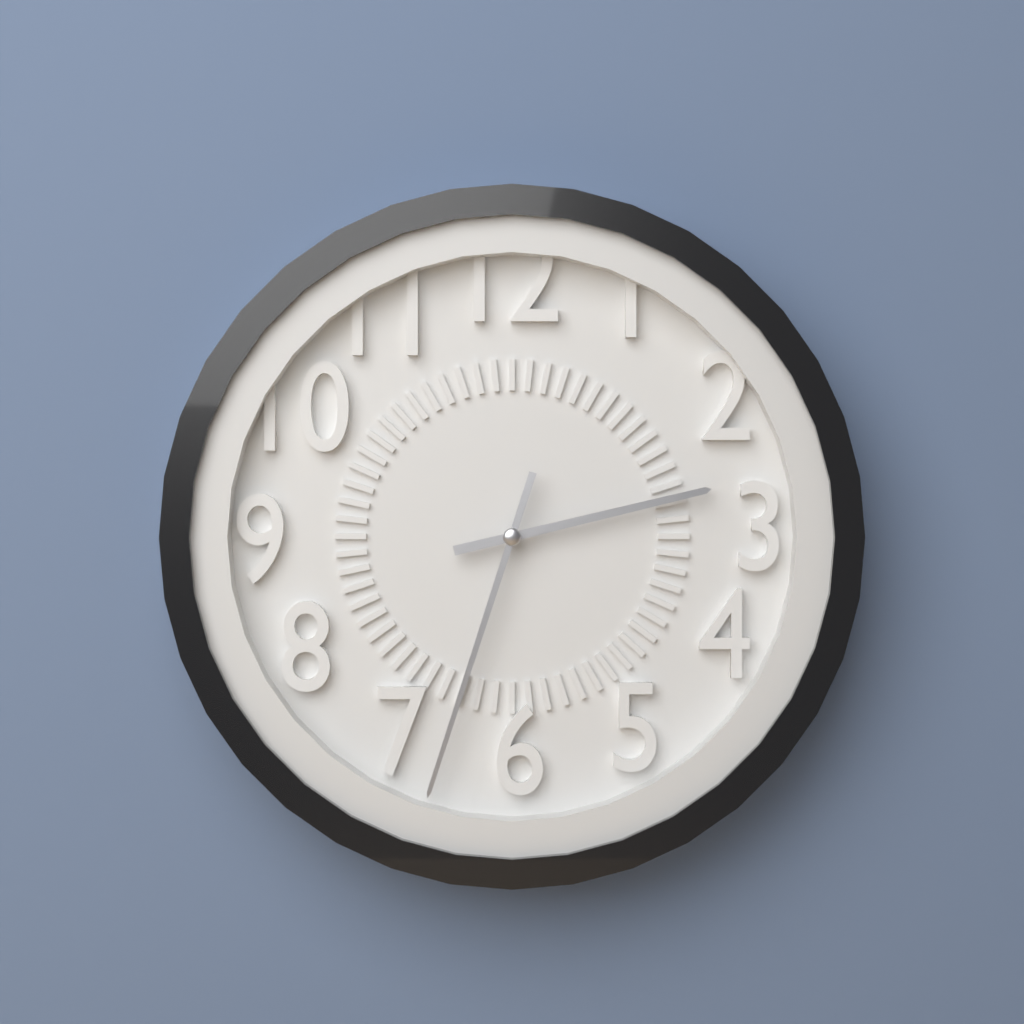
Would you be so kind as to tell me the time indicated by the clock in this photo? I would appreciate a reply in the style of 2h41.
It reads 2h33
